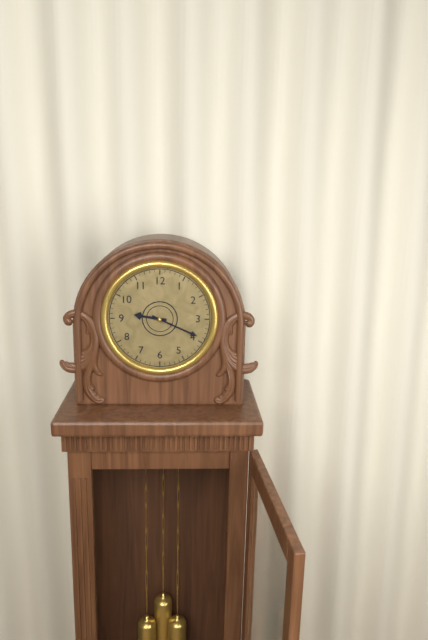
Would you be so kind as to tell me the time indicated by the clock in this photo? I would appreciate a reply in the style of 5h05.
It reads 9h19
